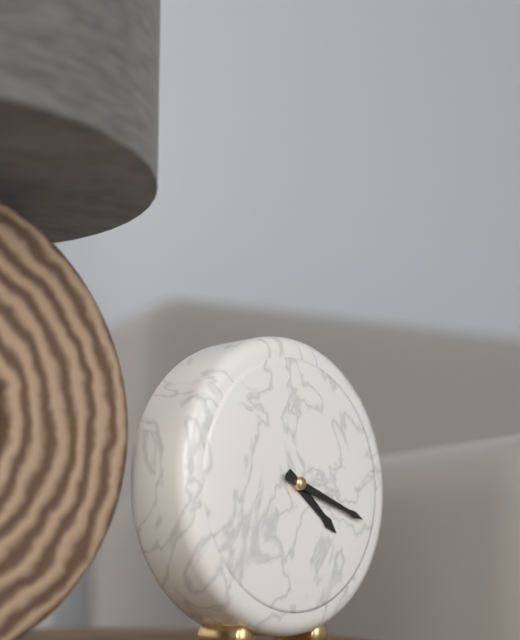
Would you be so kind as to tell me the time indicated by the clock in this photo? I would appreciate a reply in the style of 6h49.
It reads 4h18
